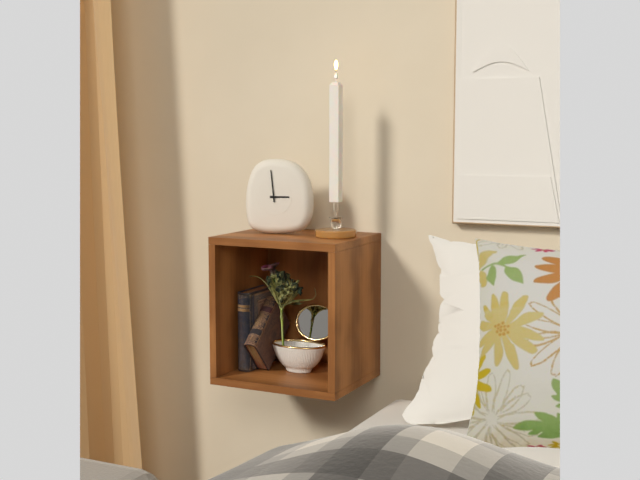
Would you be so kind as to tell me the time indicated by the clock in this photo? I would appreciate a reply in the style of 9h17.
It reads 2h59
